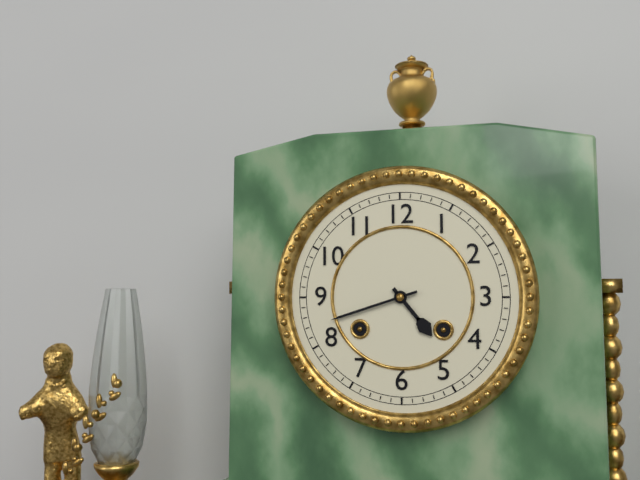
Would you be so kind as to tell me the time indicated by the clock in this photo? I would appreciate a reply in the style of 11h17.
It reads 4h42
